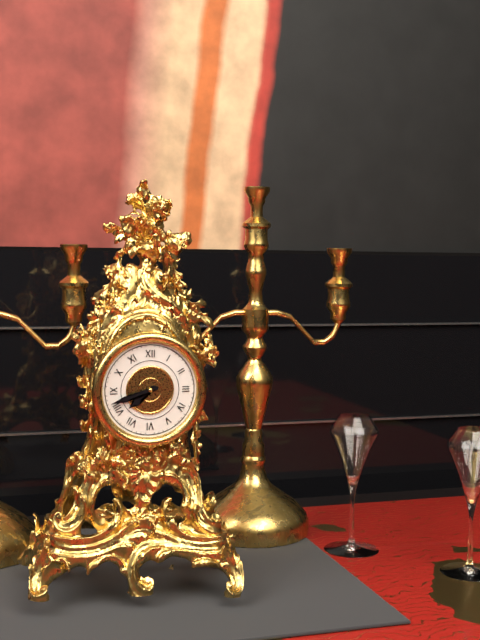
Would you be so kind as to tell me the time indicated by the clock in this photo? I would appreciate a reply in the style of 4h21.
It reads 7h42
